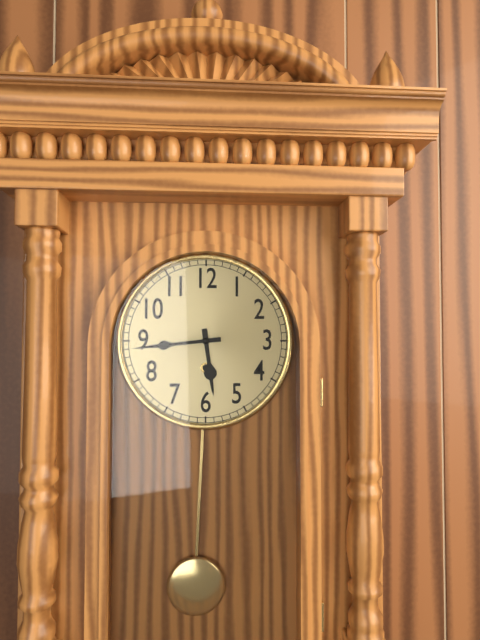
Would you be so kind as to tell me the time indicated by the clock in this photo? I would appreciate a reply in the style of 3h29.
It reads 5h44
